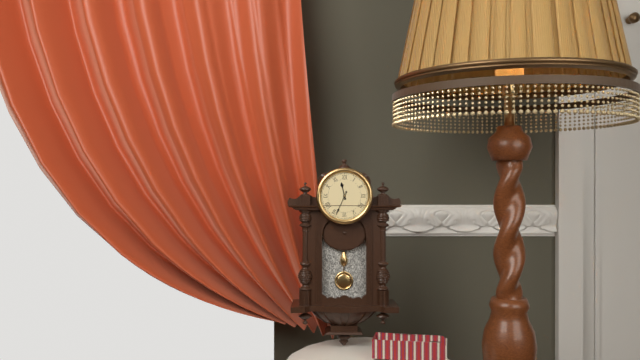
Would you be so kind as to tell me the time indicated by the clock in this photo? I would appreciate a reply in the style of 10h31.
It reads 11h34
